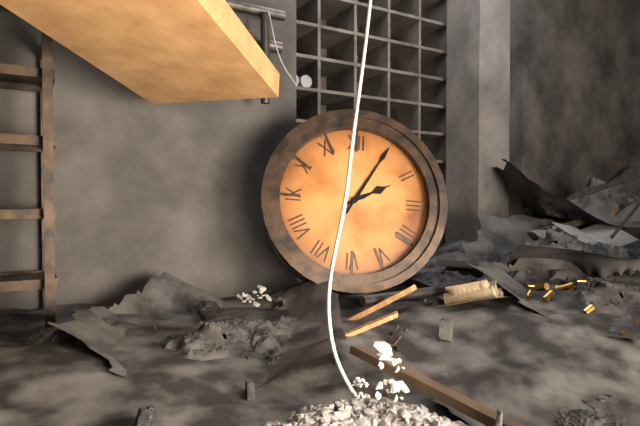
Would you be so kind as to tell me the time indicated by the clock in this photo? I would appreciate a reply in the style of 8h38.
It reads 2h05
